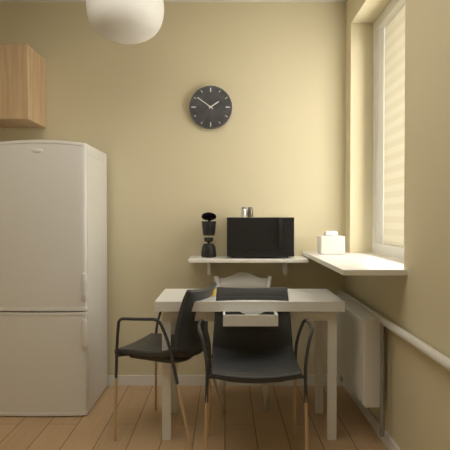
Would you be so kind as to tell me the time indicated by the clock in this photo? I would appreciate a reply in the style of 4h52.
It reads 1h51
